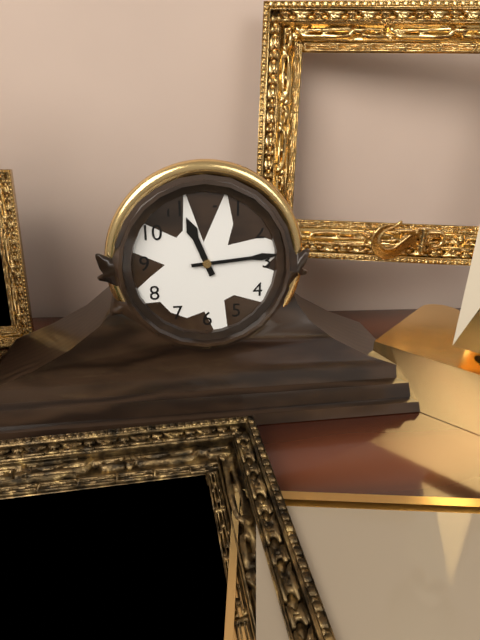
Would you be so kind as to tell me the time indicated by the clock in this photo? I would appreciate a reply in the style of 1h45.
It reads 11h14
